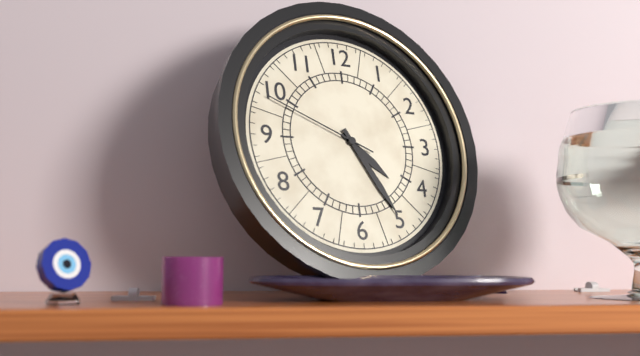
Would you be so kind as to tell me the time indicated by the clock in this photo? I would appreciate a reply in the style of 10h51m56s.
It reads 4h25m49s
